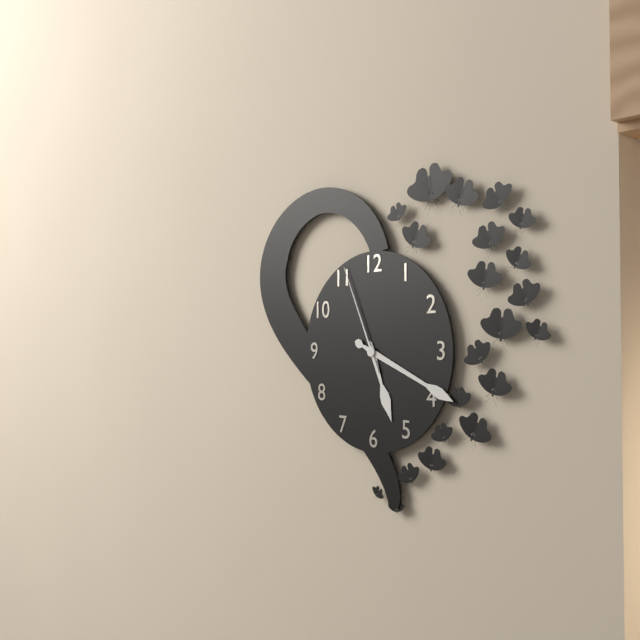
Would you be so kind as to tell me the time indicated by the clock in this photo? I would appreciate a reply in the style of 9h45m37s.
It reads 5h19m56s
